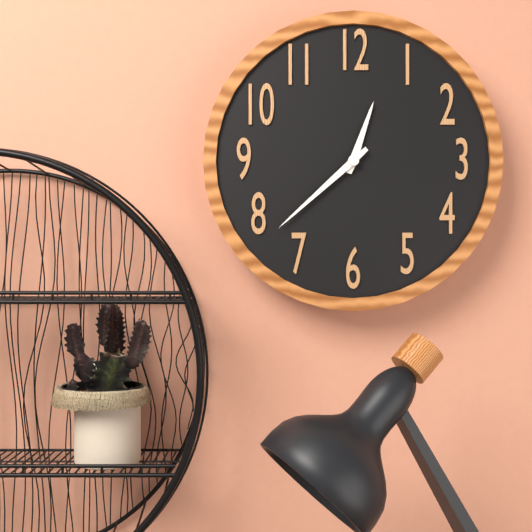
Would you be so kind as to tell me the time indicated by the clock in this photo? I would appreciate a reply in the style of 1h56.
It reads 12h38
